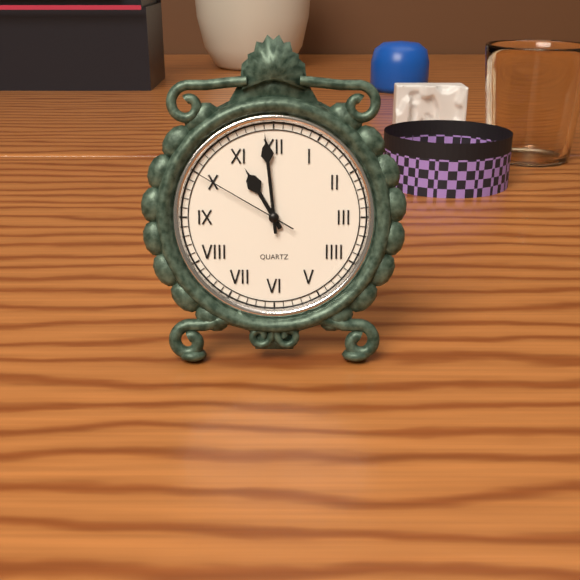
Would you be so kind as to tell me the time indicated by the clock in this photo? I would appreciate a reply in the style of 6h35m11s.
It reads 10h59m50s
